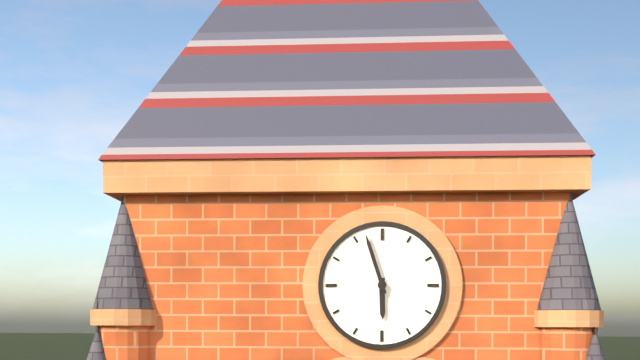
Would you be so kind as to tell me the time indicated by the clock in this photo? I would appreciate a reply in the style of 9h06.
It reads 5h57
